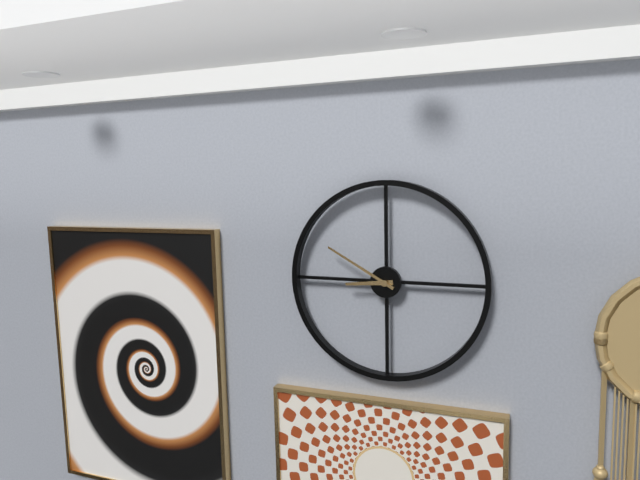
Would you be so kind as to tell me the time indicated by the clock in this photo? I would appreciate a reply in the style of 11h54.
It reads 8h50
